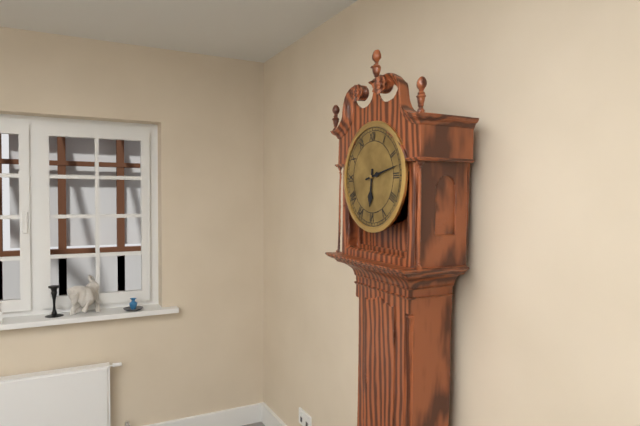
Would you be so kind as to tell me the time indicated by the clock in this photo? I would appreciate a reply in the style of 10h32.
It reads 6h13
